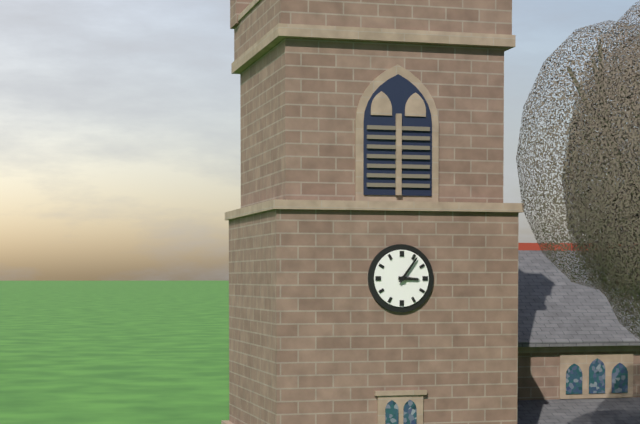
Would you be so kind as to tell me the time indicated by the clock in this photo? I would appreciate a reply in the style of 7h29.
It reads 3h06
